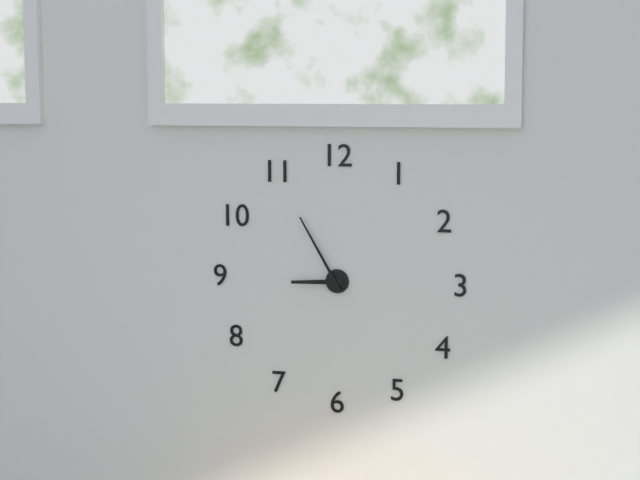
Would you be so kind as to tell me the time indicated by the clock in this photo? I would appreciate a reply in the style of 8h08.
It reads 8h55
